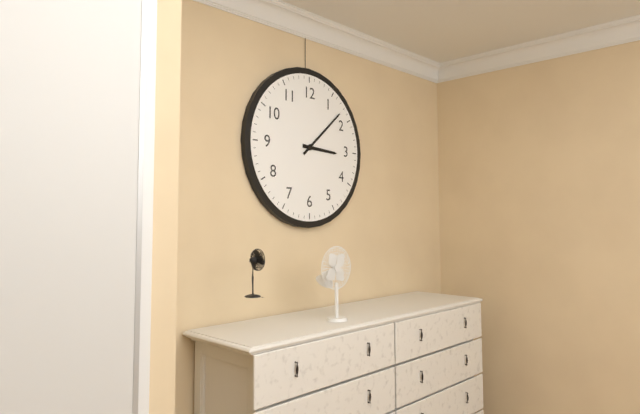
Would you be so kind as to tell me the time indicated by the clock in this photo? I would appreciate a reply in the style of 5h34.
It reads 3h08
